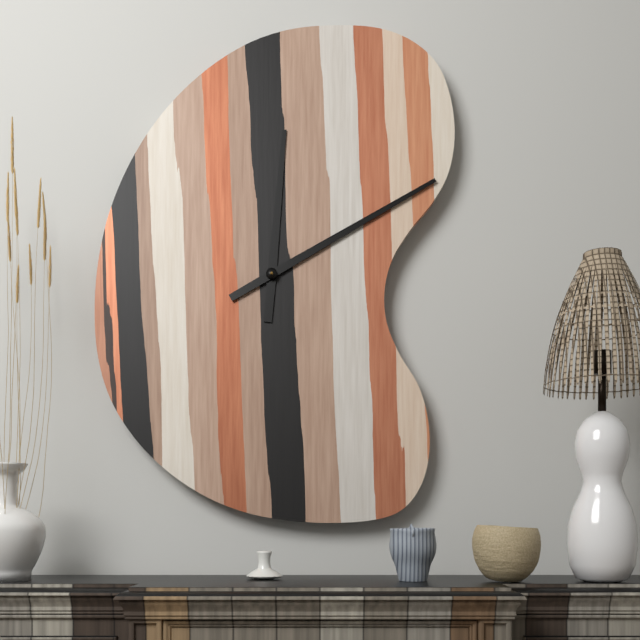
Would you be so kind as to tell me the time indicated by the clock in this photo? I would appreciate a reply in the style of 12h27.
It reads 12h10
